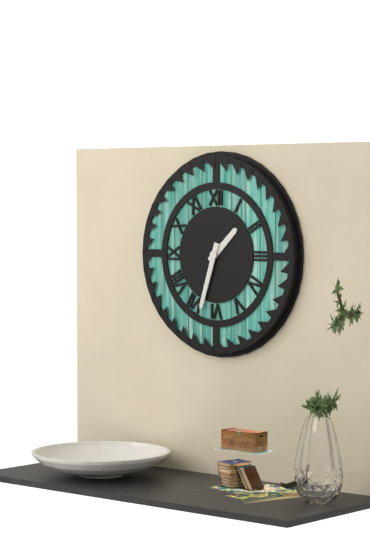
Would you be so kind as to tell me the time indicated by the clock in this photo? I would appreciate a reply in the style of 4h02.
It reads 1h33
